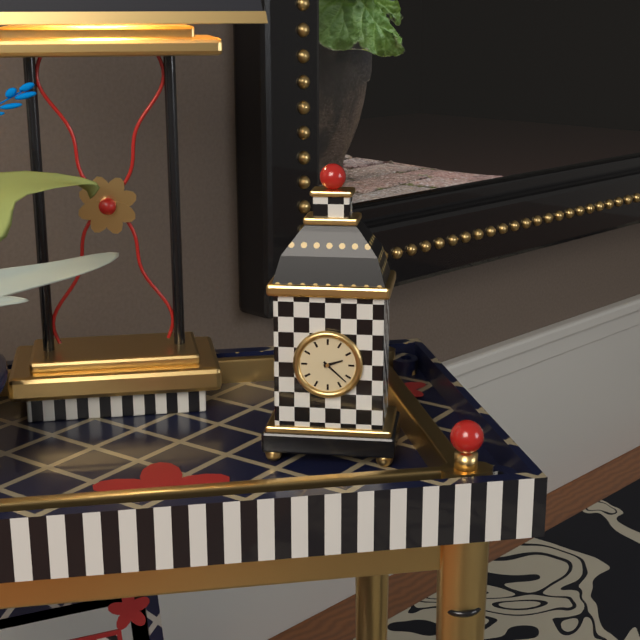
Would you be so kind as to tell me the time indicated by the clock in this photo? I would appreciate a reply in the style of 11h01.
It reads 2h22
